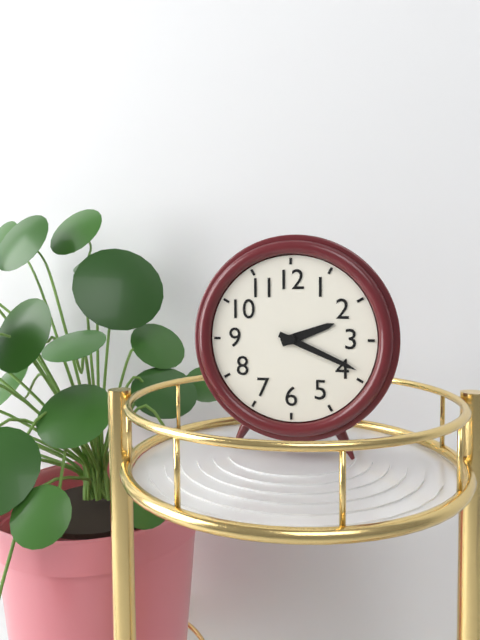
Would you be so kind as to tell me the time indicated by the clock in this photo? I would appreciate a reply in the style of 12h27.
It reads 2h19
